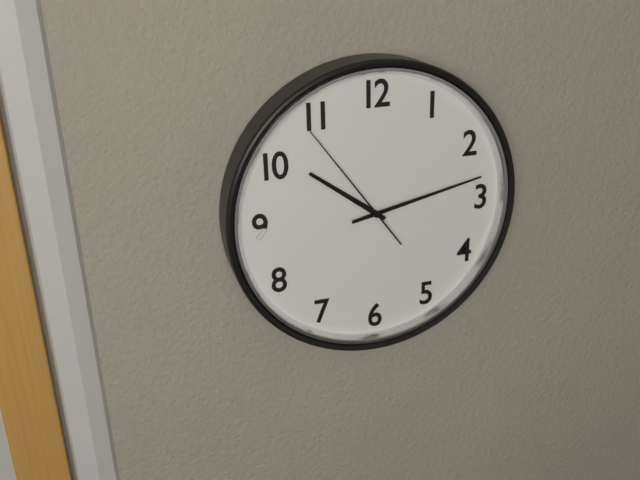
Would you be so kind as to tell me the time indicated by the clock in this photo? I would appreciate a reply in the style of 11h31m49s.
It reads 10h13m54s
